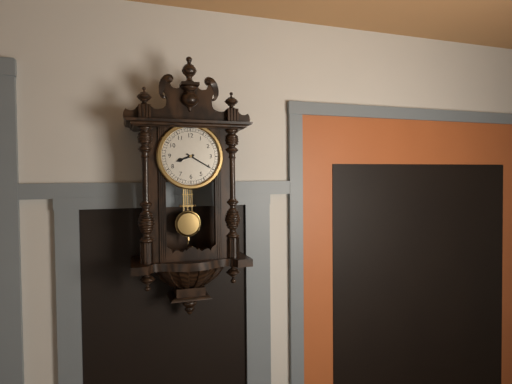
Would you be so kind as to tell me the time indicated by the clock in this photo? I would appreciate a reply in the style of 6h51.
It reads 8h20
